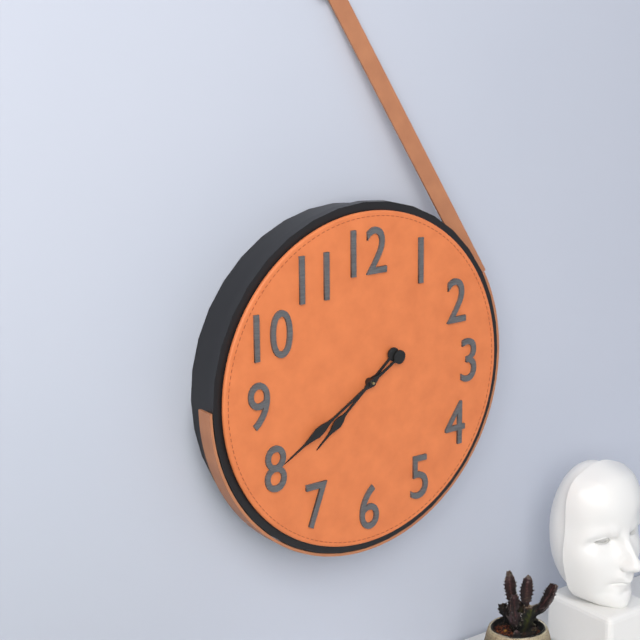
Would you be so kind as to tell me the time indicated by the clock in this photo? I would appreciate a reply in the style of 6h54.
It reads 7h40
